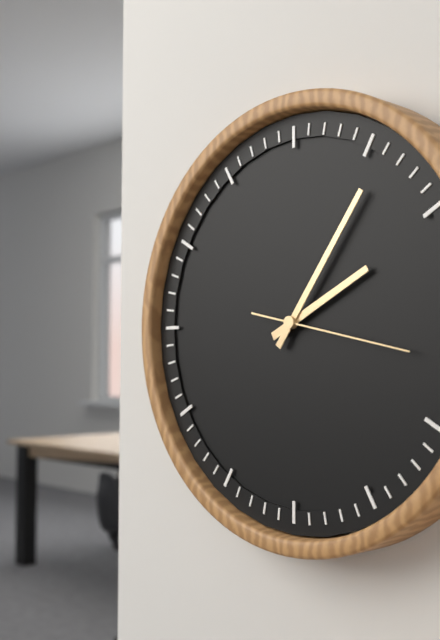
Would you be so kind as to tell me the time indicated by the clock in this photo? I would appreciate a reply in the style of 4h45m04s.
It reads 2h06m17s
